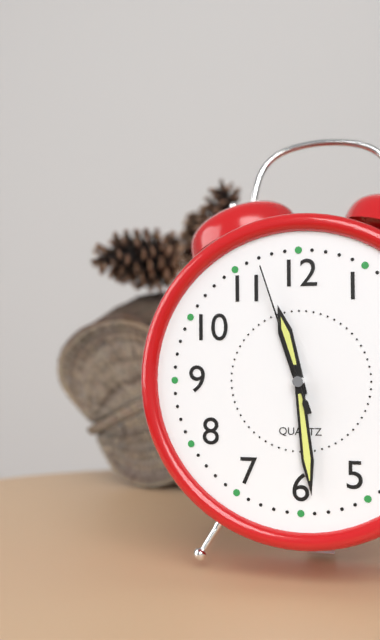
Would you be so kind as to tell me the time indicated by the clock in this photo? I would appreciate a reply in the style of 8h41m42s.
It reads 11h29m57s
